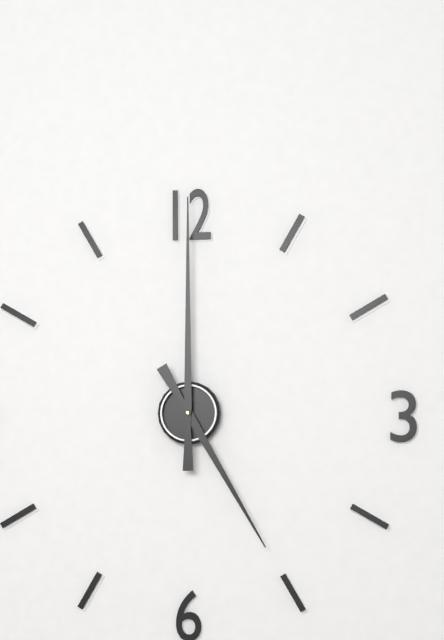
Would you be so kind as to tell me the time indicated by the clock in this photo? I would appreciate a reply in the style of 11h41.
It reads 5h00
